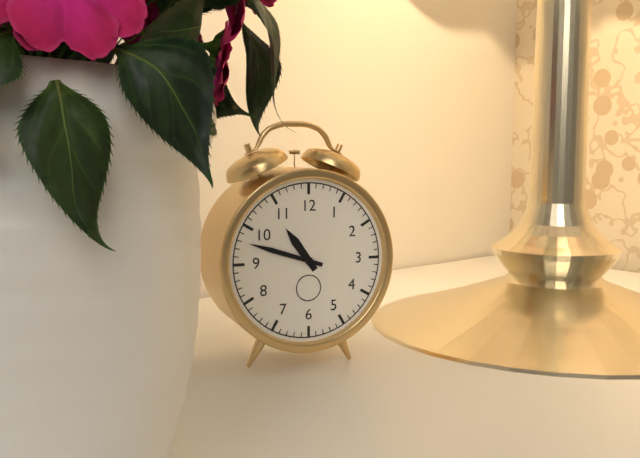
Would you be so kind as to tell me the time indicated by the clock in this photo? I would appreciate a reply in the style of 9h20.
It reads 10h48
